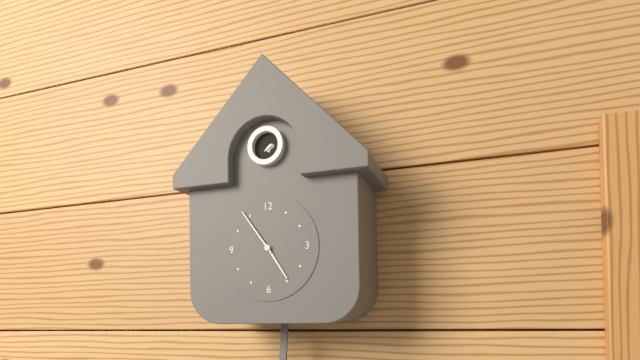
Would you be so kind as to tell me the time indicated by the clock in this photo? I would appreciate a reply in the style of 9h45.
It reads 4h54
